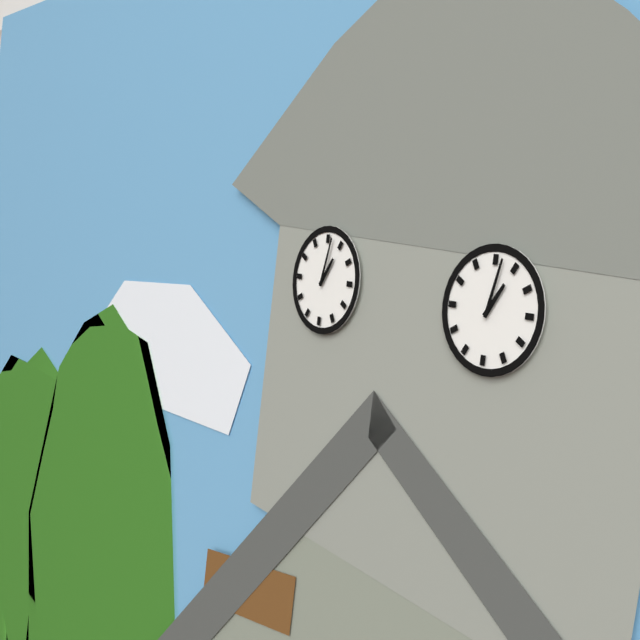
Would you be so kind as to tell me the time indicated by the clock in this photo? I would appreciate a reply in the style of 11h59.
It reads 1h02
